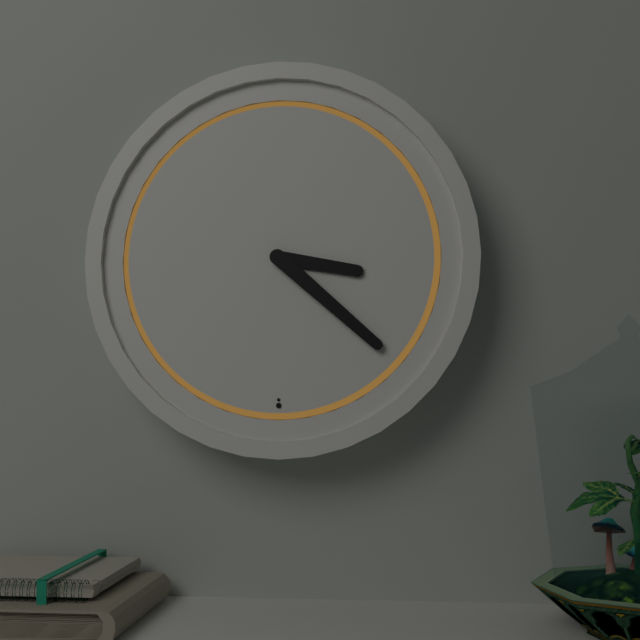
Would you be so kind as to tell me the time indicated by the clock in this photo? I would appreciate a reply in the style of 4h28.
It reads 3h22
